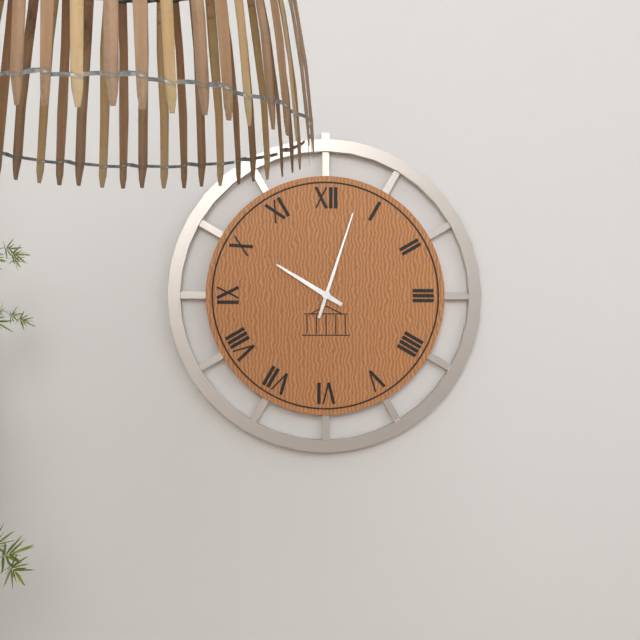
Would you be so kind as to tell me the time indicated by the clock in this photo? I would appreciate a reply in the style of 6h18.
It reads 10h03
